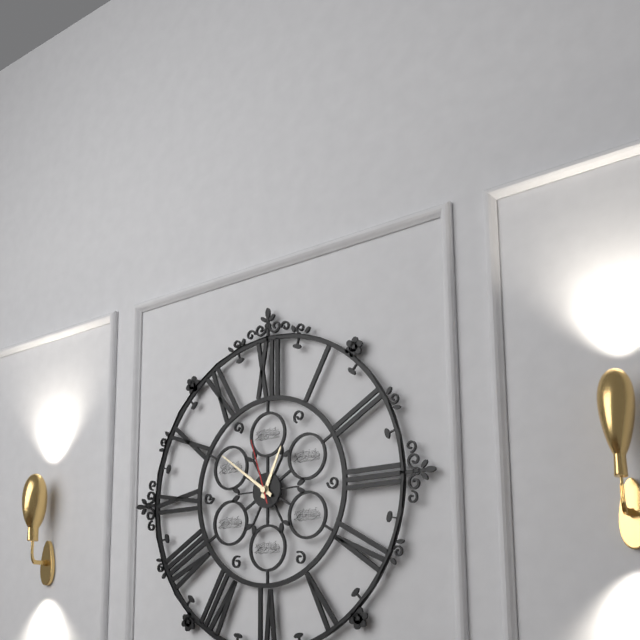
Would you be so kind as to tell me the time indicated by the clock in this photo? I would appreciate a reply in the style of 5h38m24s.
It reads 12h51m57s
